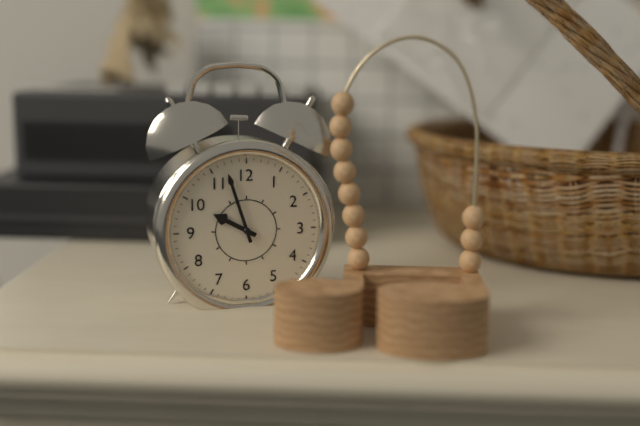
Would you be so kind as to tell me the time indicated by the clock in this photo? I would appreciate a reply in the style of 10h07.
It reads 9h57
